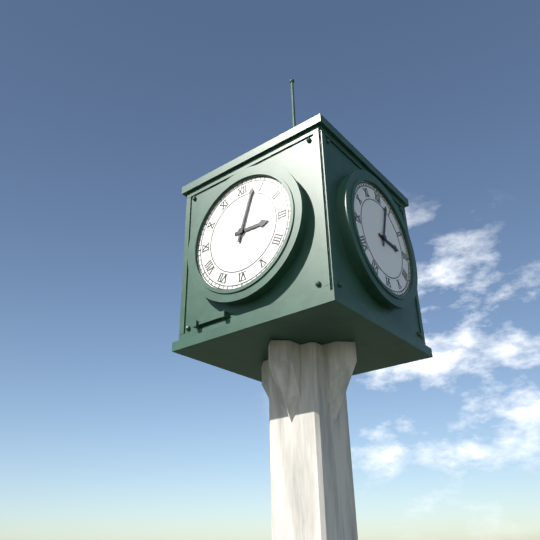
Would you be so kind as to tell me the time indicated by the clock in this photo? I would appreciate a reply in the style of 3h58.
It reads 3h03
